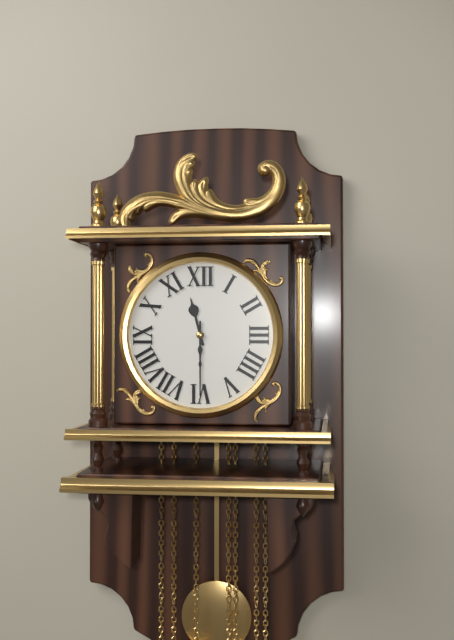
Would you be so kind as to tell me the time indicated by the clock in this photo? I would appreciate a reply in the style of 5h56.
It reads 11h30
